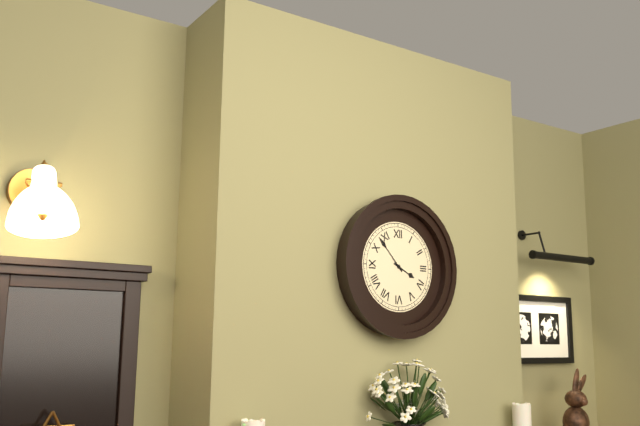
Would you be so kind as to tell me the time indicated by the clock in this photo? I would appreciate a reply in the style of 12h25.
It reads 3h53
